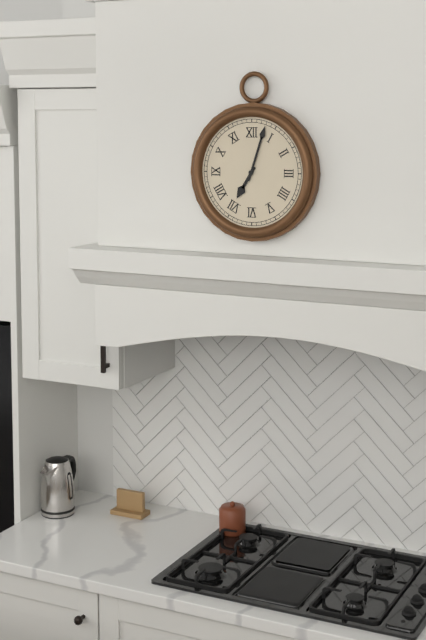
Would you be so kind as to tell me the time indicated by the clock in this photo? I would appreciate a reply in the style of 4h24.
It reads 7h03
